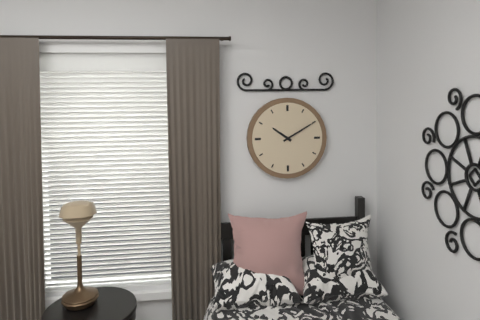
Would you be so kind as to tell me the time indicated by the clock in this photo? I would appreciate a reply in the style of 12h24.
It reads 10h10
